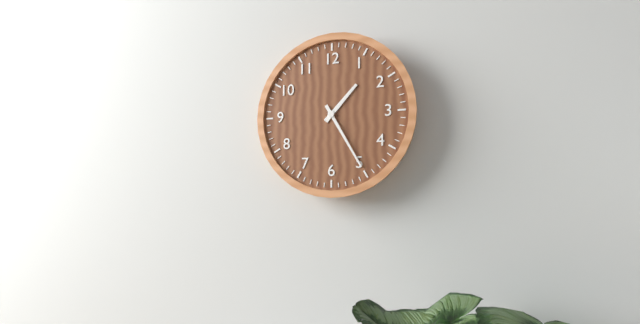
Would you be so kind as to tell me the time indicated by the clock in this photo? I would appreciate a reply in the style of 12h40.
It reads 1h25
